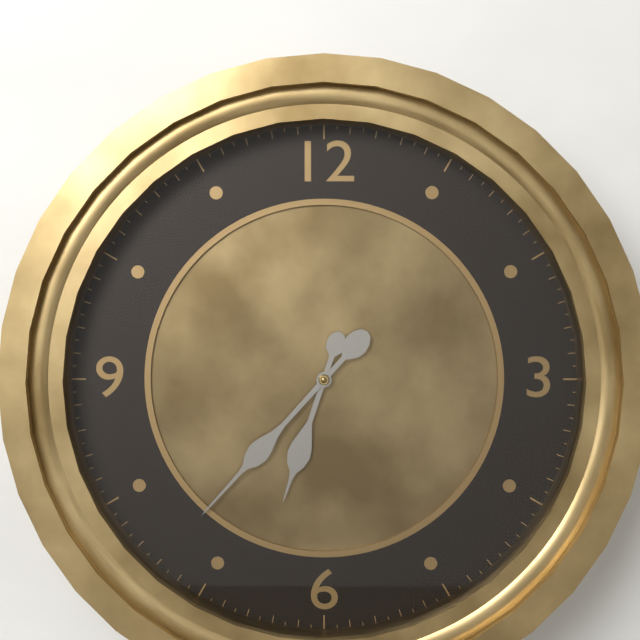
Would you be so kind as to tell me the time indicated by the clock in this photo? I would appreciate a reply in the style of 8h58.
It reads 6h37
